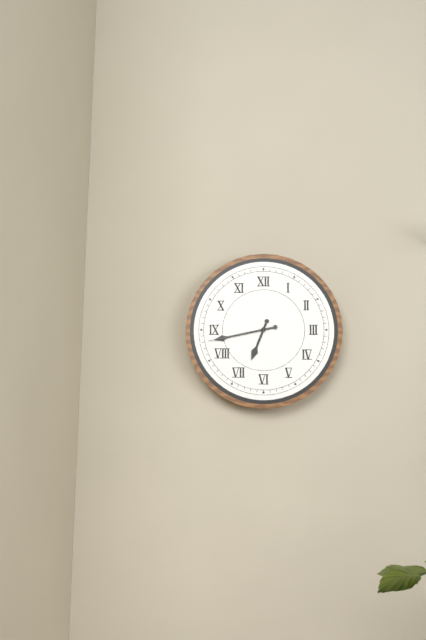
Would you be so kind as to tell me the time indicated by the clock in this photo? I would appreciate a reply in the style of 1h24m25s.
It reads 6h43m43s
